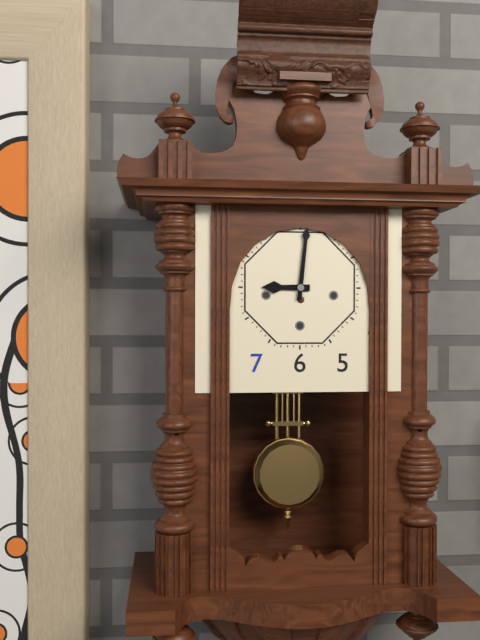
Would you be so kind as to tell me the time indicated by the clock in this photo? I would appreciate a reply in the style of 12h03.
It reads 9h01
